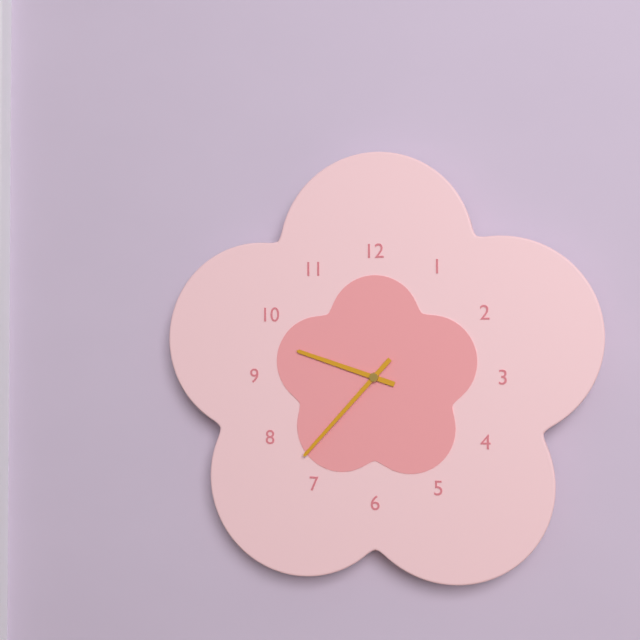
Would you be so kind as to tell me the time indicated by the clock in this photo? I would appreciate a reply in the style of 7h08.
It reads 9h37
